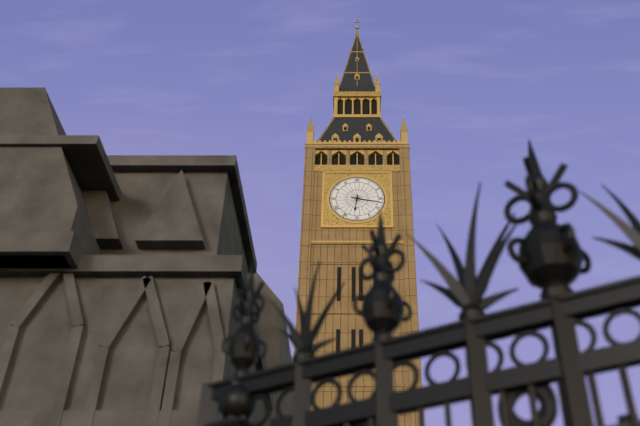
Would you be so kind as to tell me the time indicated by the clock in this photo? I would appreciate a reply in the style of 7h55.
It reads 6h17
